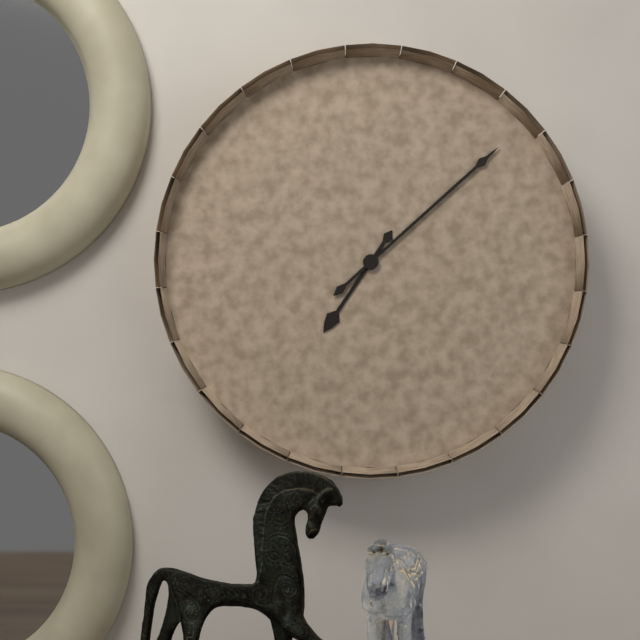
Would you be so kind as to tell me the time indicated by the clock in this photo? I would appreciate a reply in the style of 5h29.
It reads 7h08
